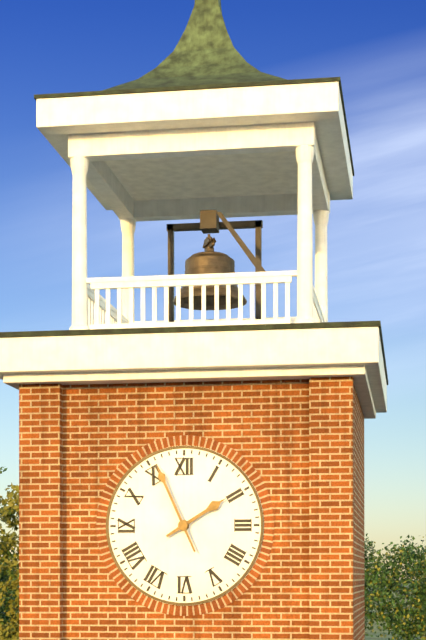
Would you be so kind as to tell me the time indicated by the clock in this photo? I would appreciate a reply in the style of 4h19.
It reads 1h56
